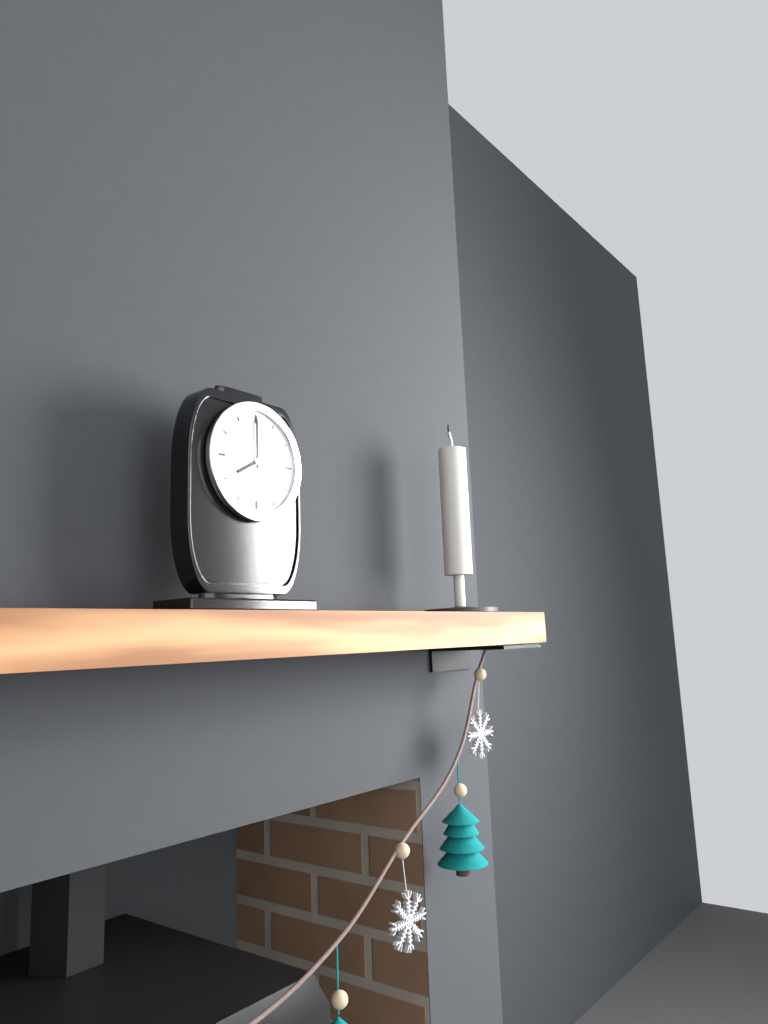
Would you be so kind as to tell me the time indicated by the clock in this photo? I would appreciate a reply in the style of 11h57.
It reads 8h00
